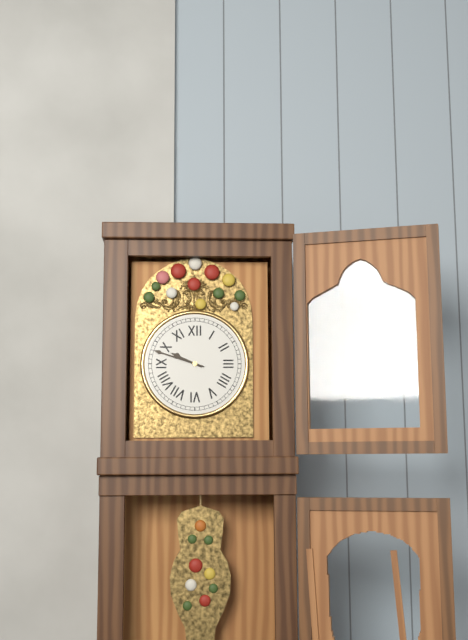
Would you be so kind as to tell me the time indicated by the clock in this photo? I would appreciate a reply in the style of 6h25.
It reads 9h48
